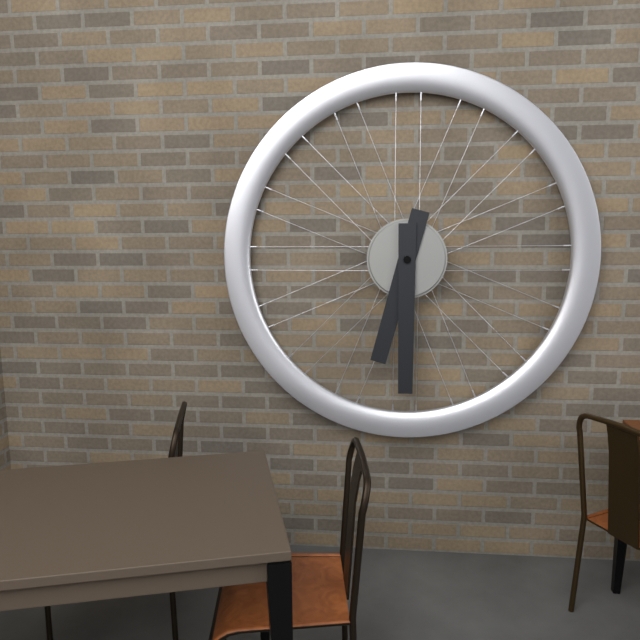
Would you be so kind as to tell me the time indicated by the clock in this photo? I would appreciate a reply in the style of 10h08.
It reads 6h30
